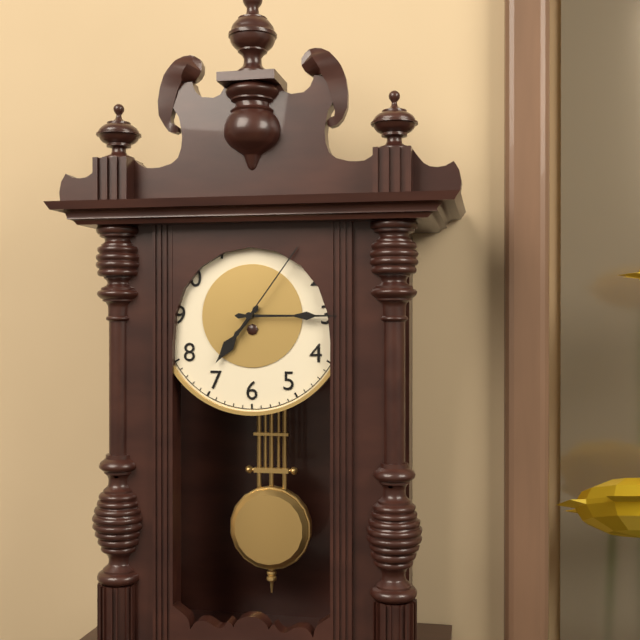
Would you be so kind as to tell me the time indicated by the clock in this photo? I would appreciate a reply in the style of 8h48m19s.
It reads 7h15m06s
